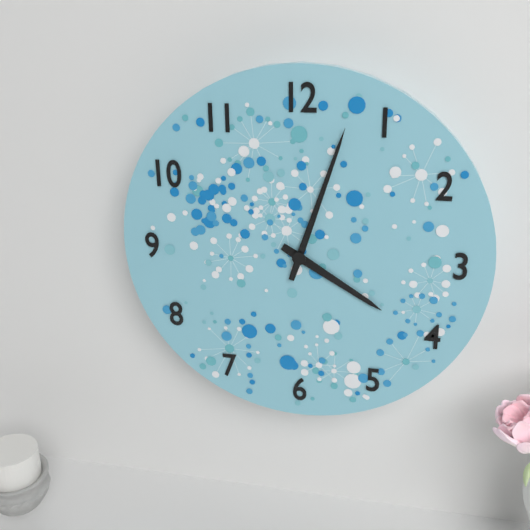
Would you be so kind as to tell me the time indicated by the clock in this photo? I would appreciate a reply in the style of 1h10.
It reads 4h03
